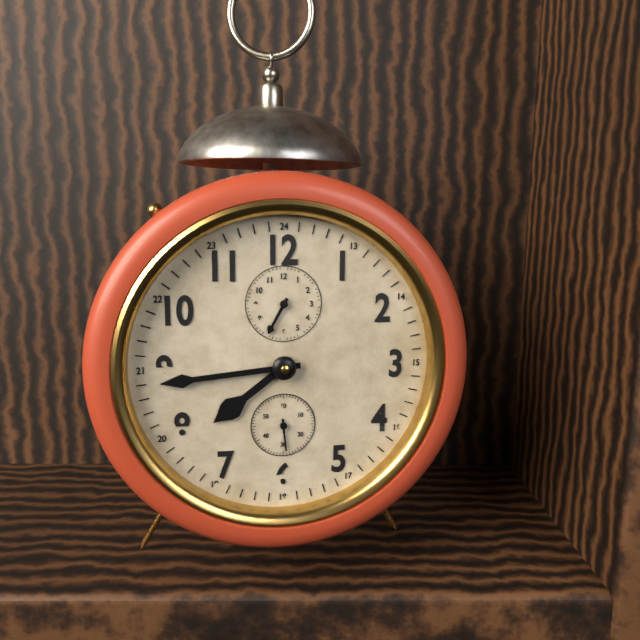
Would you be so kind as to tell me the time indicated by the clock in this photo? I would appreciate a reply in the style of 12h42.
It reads 7h44
